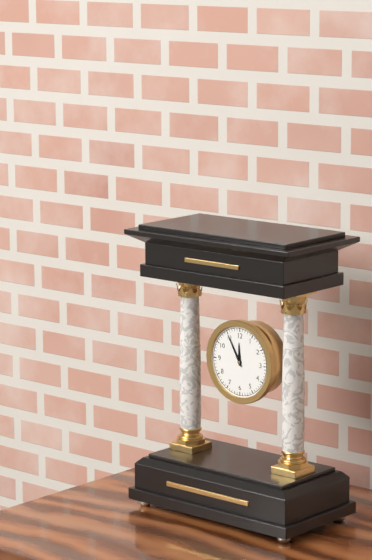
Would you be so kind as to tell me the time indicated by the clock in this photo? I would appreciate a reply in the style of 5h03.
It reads 11h55
